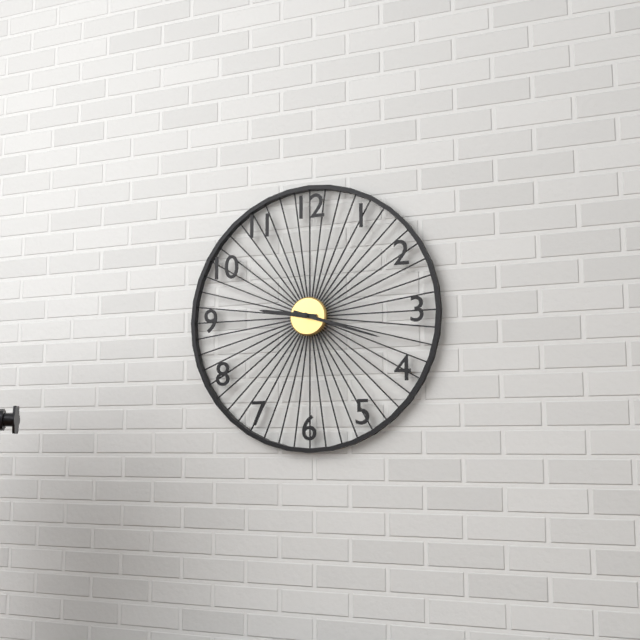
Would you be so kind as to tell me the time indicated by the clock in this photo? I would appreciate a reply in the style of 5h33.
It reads 9h18
